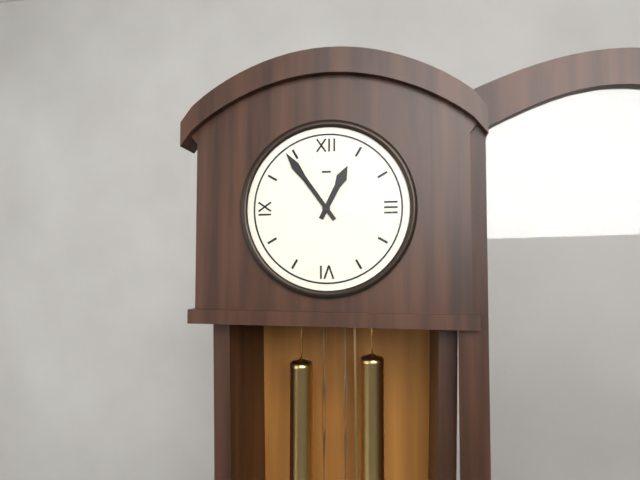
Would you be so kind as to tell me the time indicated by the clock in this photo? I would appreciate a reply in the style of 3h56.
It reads 12h54
